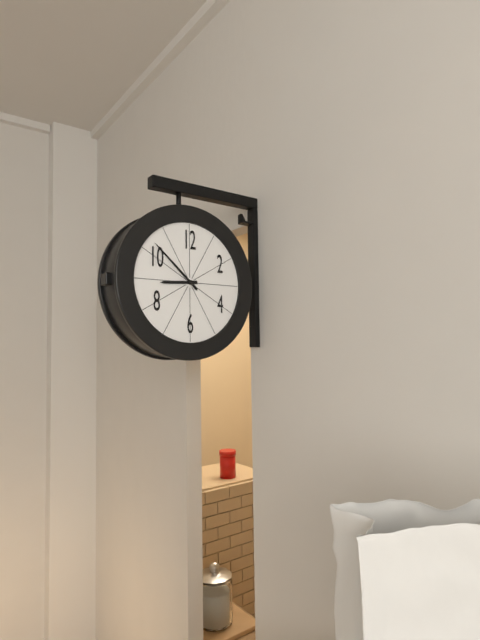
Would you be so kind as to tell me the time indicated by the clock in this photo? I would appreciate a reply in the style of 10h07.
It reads 8h52
